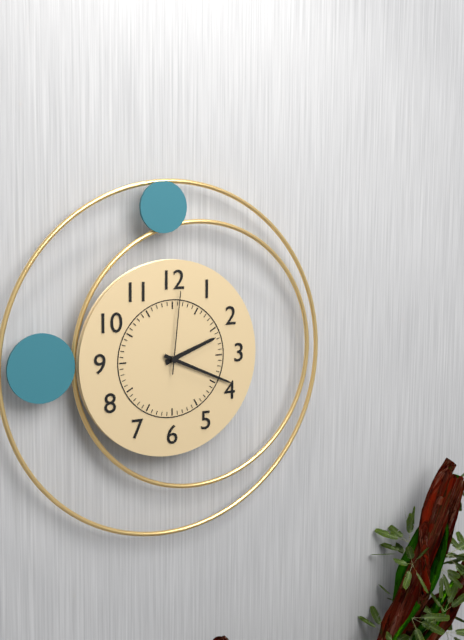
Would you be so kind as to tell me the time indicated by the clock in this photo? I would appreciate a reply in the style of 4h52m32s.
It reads 2h19m01s
